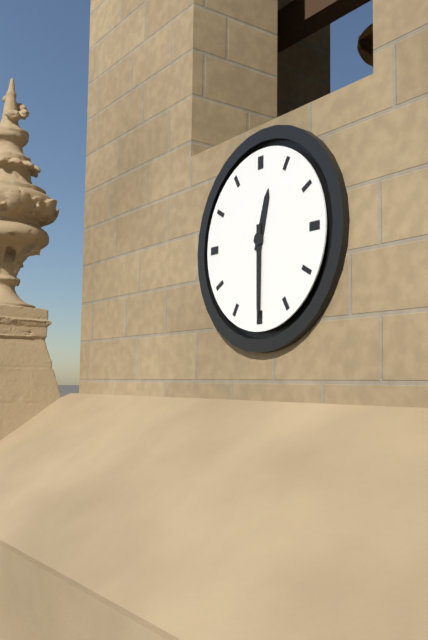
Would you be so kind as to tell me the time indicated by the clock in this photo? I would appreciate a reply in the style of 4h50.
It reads 12h30
